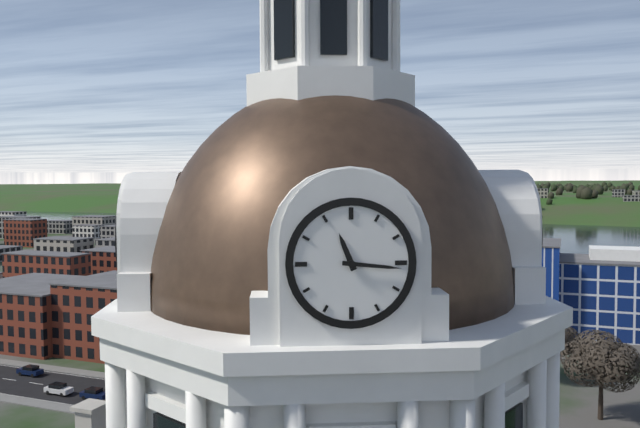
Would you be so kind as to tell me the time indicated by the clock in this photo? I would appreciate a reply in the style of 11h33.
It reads 11h16
